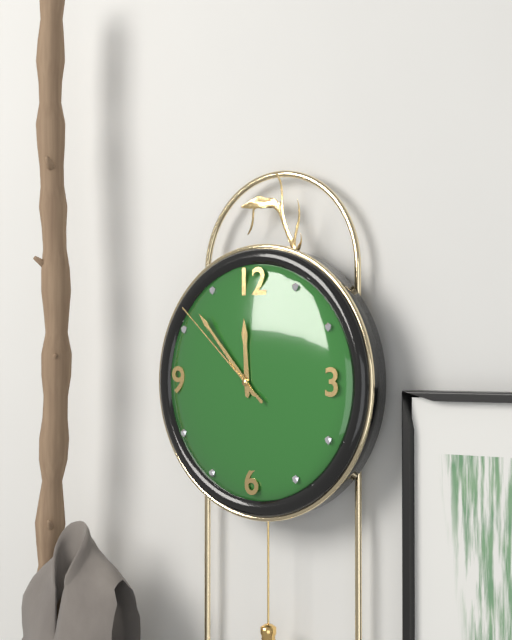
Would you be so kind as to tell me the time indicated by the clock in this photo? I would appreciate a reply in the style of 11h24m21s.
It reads 11h53m52s
